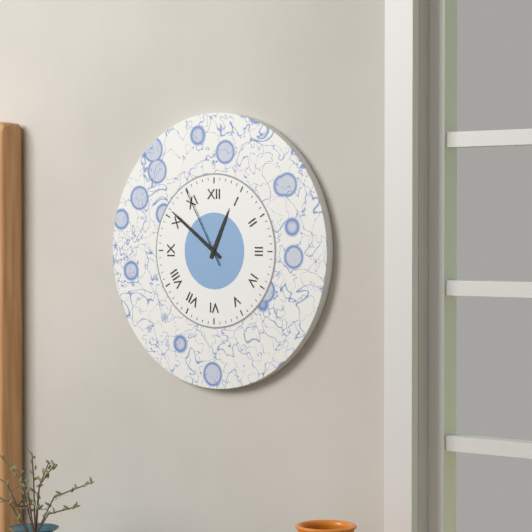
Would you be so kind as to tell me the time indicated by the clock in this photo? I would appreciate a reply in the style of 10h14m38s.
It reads 12h51m55s
